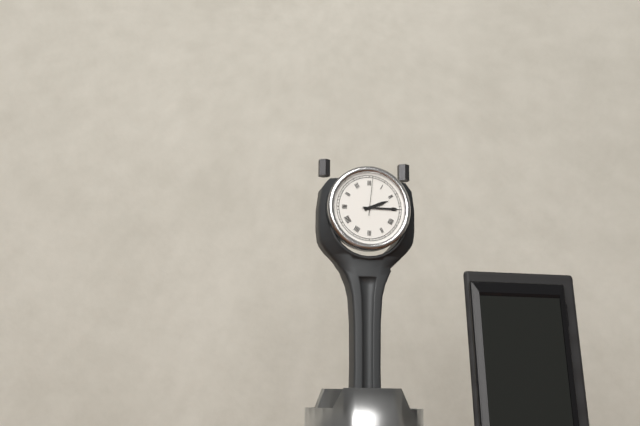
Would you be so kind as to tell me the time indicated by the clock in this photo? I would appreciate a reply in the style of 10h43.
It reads 2h15
